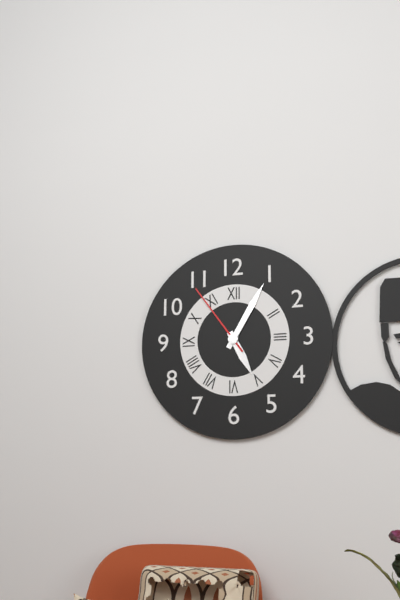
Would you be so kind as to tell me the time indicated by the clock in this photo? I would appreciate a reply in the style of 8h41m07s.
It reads 5h05m54s
